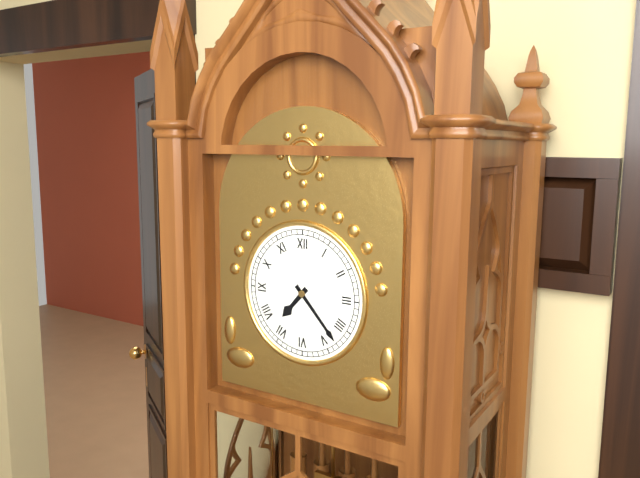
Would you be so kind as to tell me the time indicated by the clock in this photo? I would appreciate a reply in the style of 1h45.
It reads 7h23
